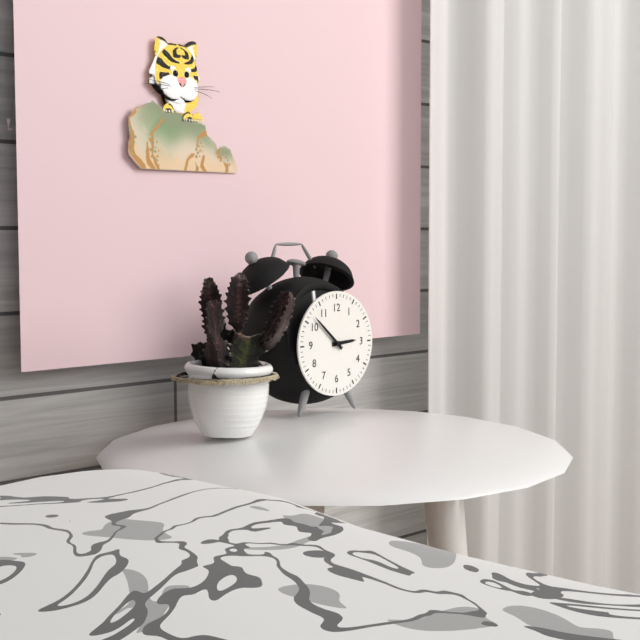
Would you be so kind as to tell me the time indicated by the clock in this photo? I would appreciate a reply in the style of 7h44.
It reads 2h52
